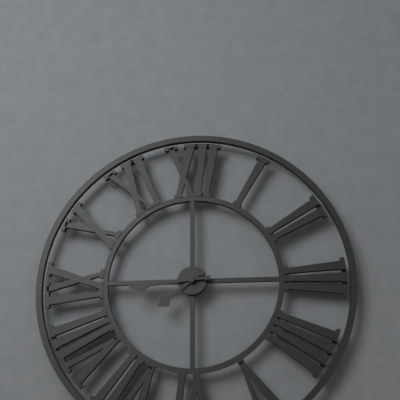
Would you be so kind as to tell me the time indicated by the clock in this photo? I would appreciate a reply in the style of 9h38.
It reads 7h44
